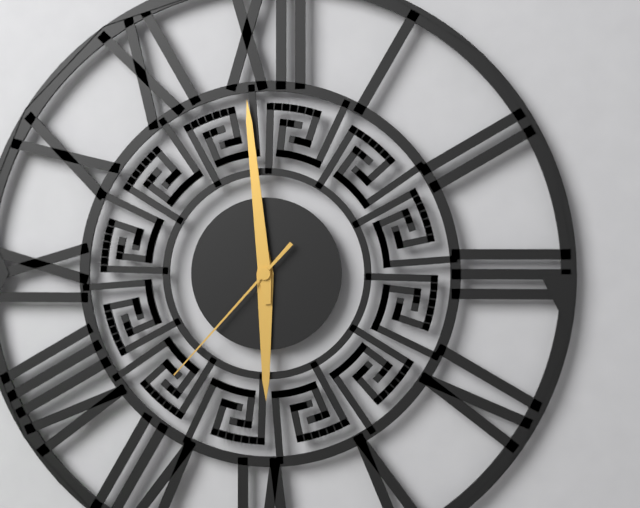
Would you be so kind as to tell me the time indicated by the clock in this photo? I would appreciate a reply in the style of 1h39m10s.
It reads 5h59m37s
